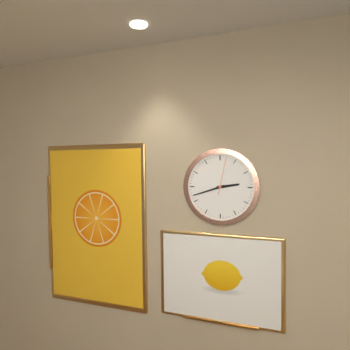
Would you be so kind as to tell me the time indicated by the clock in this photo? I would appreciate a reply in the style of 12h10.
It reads 2h42
